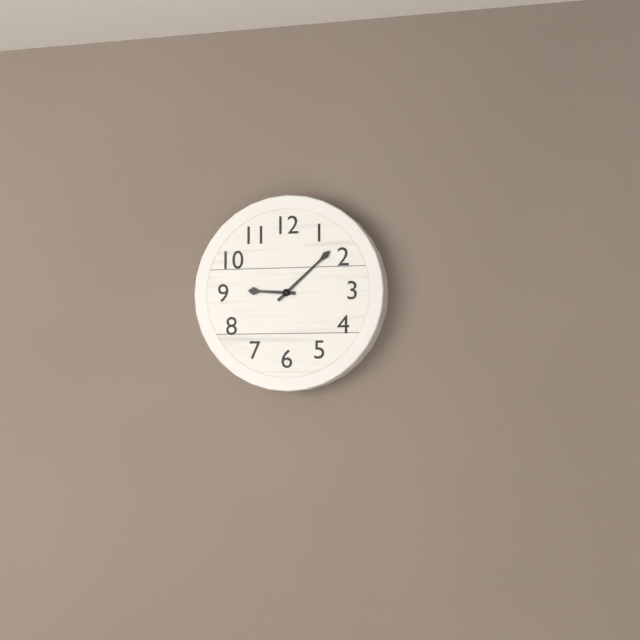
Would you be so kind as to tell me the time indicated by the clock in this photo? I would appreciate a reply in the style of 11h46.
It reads 9h08
